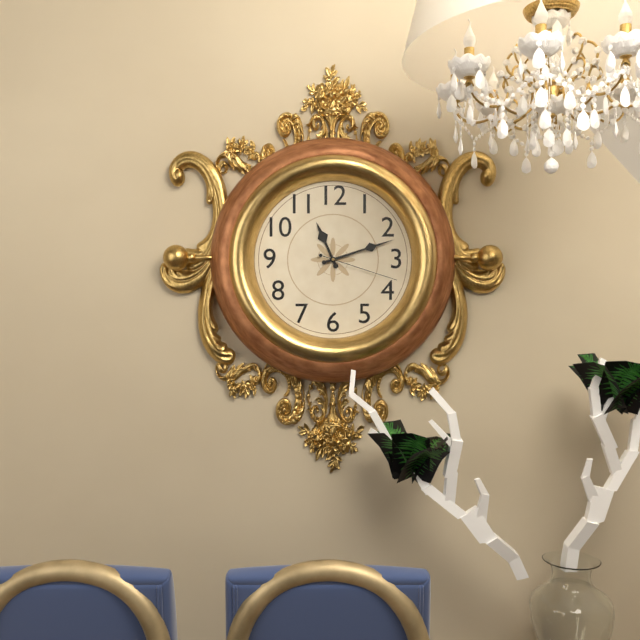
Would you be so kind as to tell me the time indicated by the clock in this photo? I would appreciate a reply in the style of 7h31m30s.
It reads 11h12m18s
